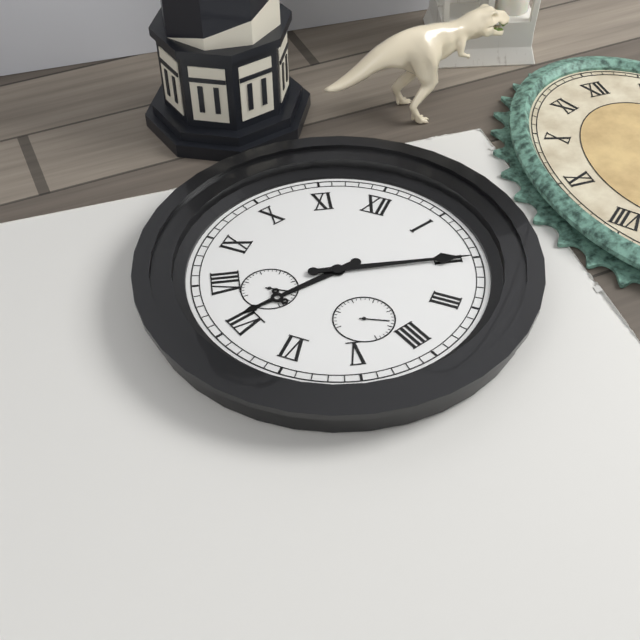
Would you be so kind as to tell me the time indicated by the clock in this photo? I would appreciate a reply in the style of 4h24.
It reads 7h10
